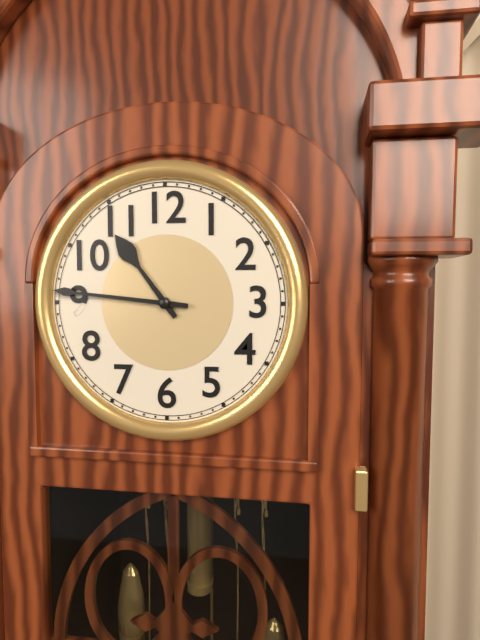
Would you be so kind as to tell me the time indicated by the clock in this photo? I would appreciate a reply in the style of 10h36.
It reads 10h46
